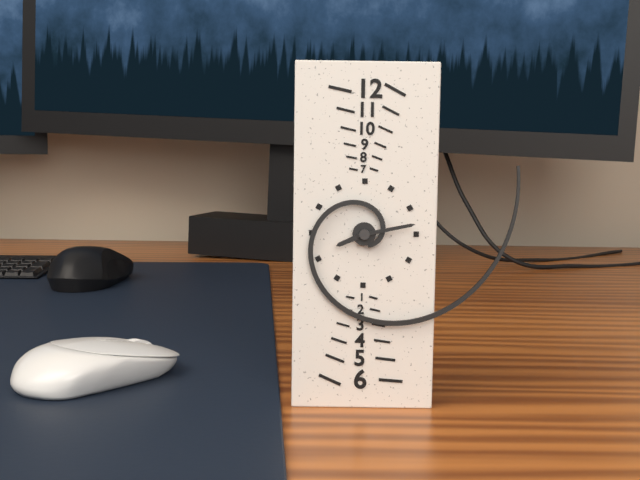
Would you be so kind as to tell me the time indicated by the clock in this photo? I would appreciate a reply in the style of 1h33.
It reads 8h13
